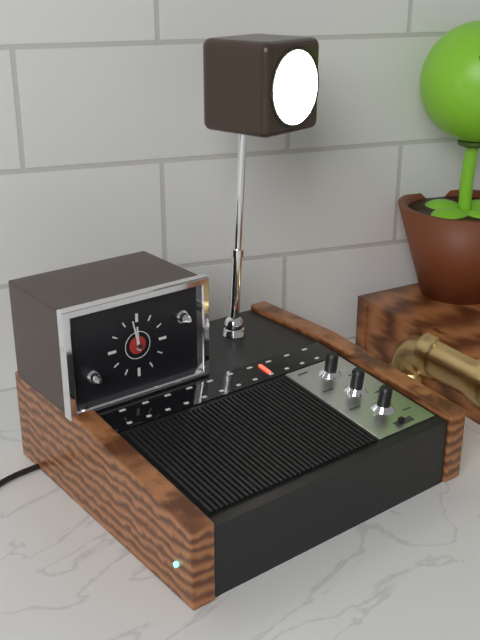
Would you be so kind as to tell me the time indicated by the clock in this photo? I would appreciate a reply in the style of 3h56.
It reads 11h58
